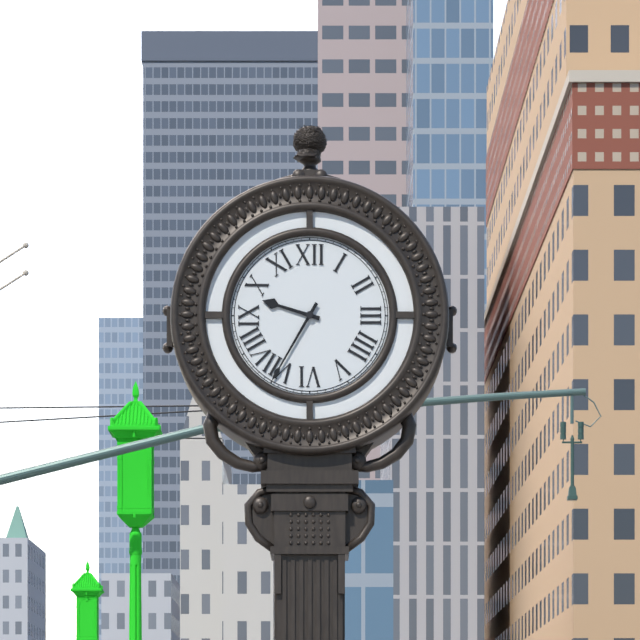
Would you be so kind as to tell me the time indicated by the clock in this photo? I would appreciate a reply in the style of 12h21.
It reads 9h35
